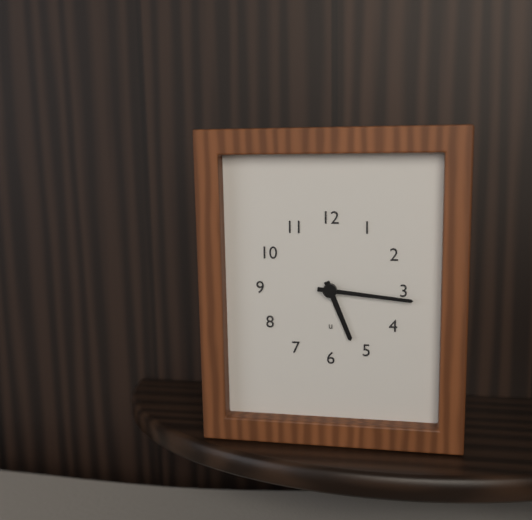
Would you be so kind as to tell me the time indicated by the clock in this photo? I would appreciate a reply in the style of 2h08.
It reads 5h16
